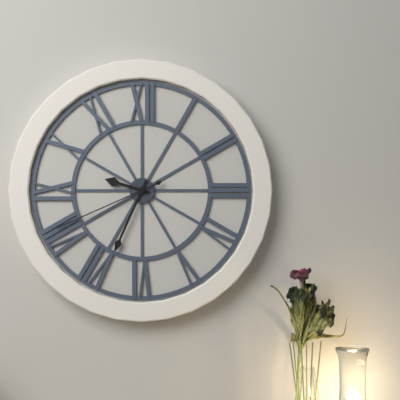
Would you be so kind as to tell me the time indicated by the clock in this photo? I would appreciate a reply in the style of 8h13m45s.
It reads 9h34m41s
